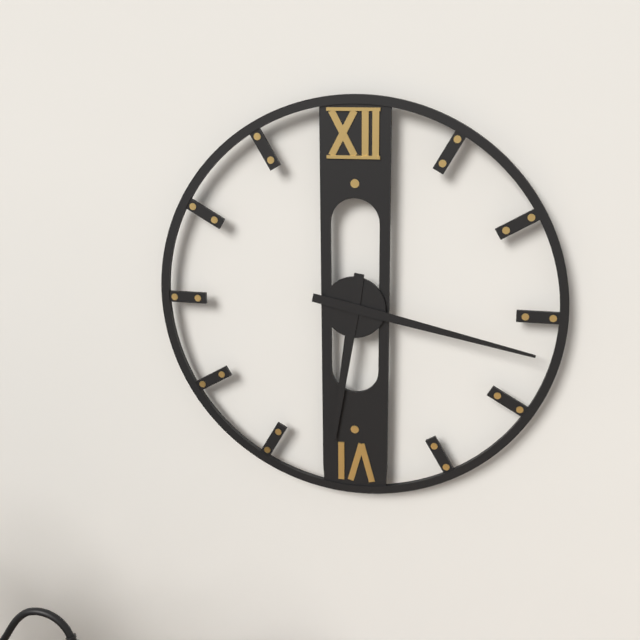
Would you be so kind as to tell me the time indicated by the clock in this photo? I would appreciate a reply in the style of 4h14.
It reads 6h17
